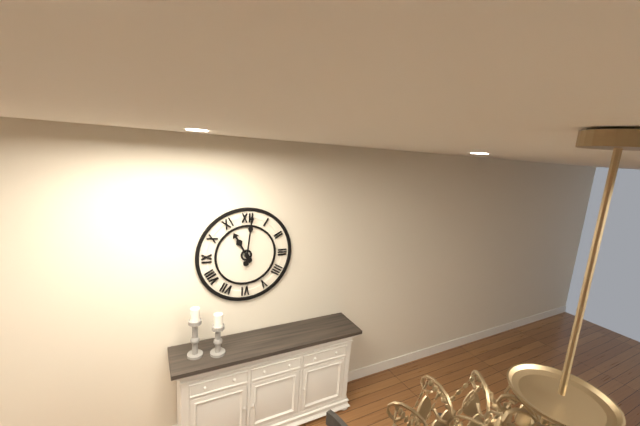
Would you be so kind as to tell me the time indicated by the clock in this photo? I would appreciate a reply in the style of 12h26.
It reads 11h01
